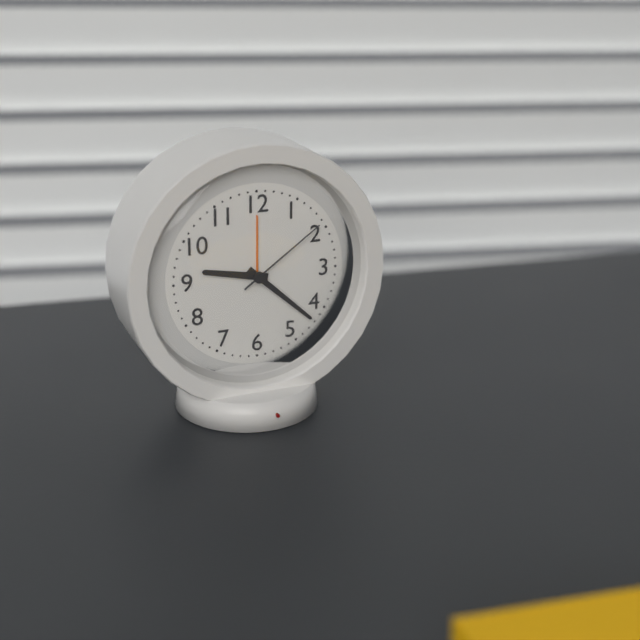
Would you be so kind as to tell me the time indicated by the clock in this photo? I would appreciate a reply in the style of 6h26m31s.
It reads 9h22m09s
